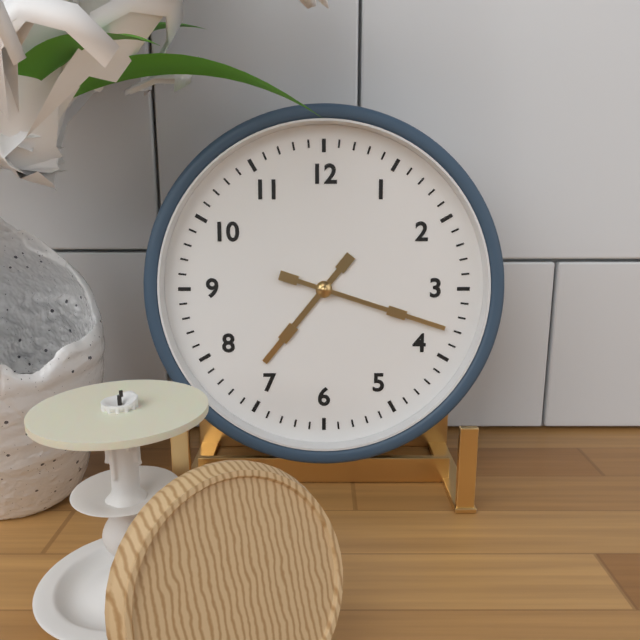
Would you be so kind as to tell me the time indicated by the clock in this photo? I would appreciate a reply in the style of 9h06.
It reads 7h18
